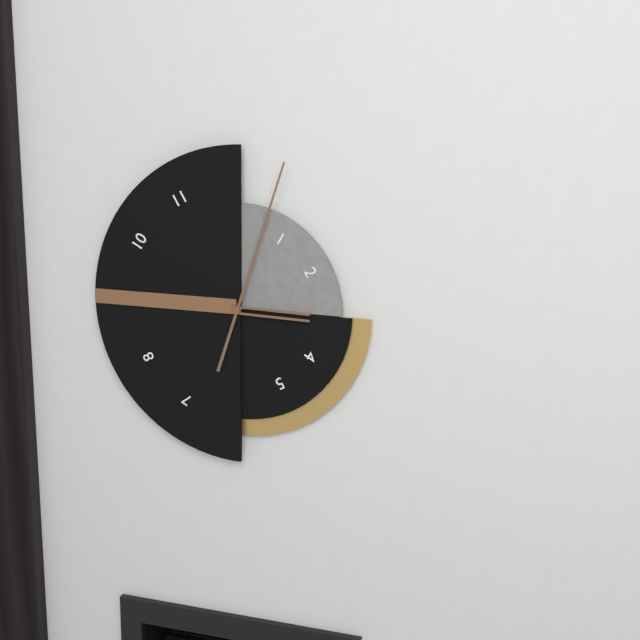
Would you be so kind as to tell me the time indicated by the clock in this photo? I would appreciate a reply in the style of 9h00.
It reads 3h03
